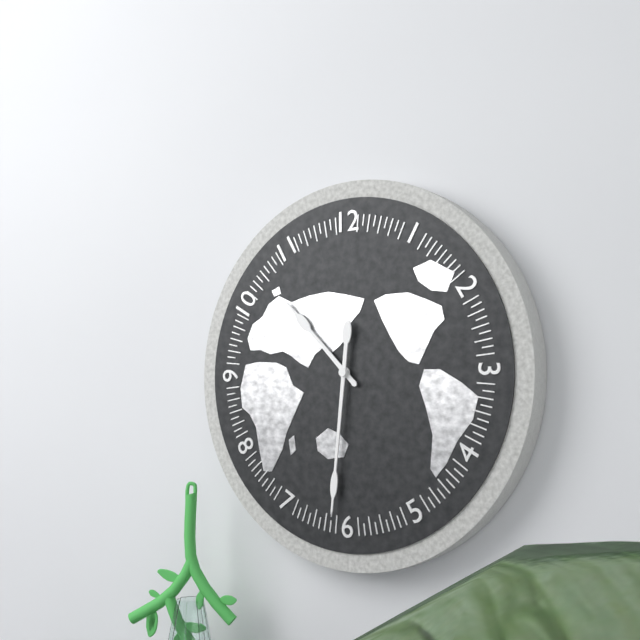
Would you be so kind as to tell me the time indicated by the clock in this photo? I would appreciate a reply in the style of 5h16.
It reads 10h31
